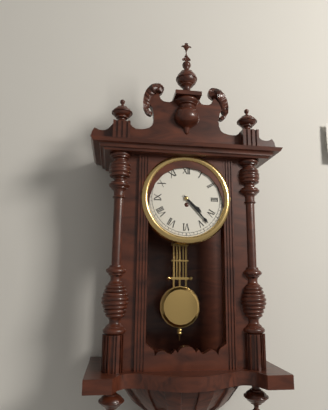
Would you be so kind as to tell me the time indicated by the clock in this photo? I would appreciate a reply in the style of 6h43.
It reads 4h23
